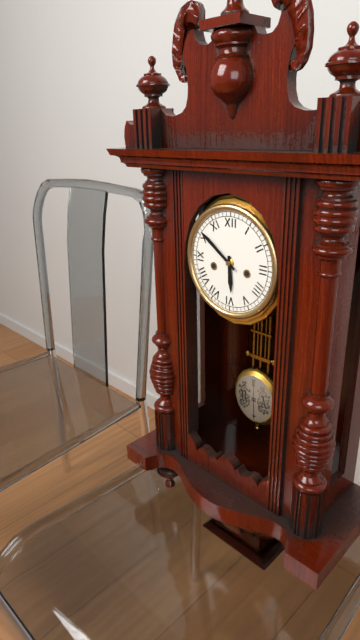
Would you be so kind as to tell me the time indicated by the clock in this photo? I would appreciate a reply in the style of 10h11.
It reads 5h51
